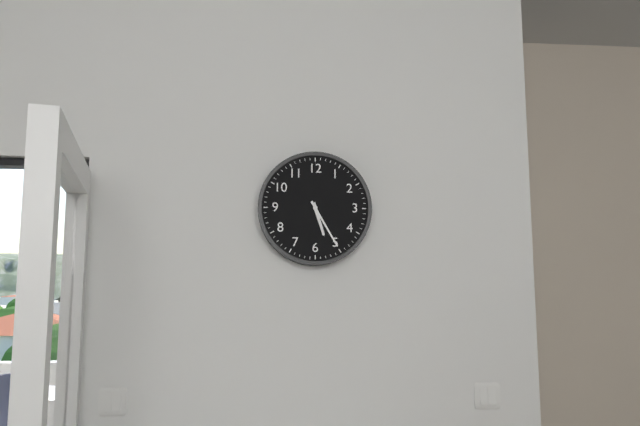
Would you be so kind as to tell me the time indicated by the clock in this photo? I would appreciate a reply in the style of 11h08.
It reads 5h25
